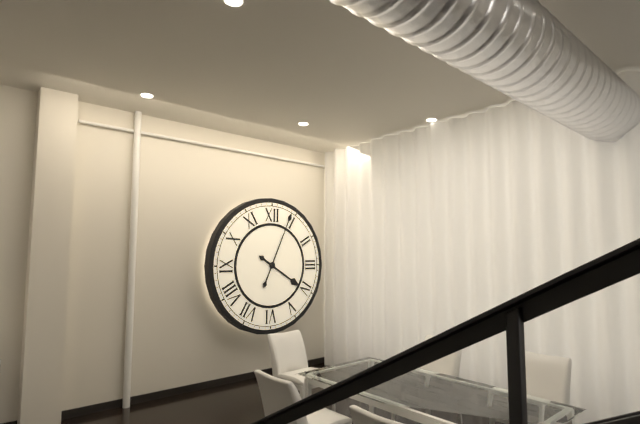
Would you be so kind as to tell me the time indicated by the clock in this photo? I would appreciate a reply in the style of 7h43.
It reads 4h04
